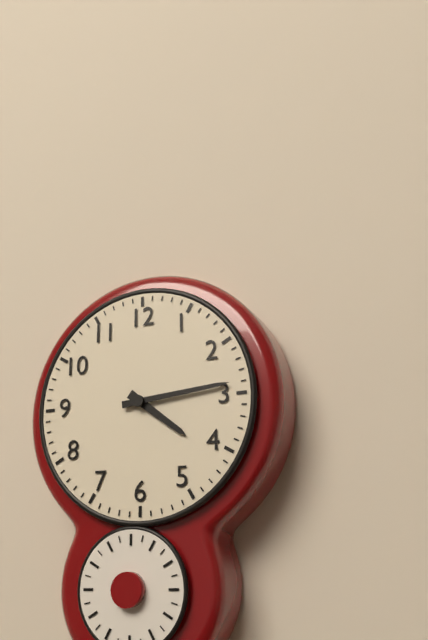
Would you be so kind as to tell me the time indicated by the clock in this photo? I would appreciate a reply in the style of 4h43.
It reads 4h14
